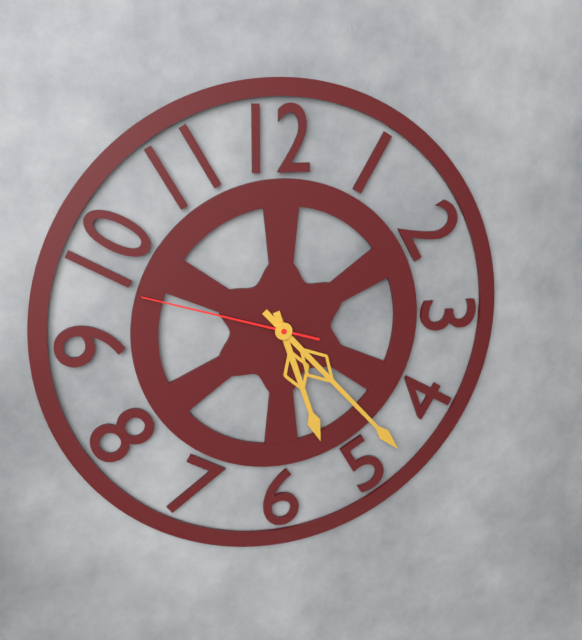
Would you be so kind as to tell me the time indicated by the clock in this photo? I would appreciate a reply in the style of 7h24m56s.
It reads 5h23m48s
